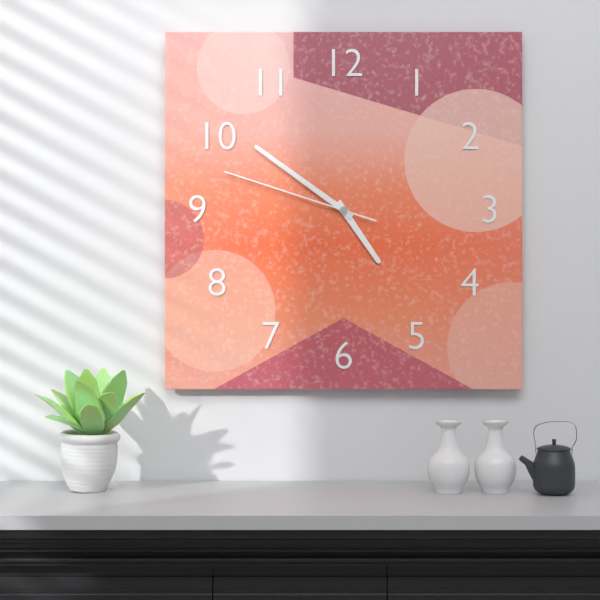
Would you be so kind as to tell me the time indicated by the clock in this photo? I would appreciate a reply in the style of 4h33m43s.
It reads 4h51m48s
